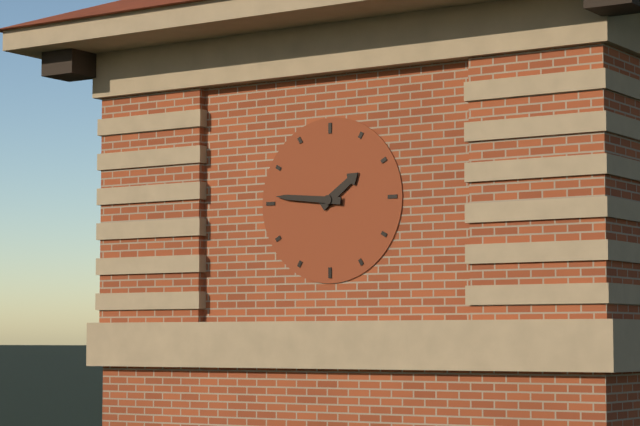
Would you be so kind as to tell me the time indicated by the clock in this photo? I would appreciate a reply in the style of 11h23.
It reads 1h46
